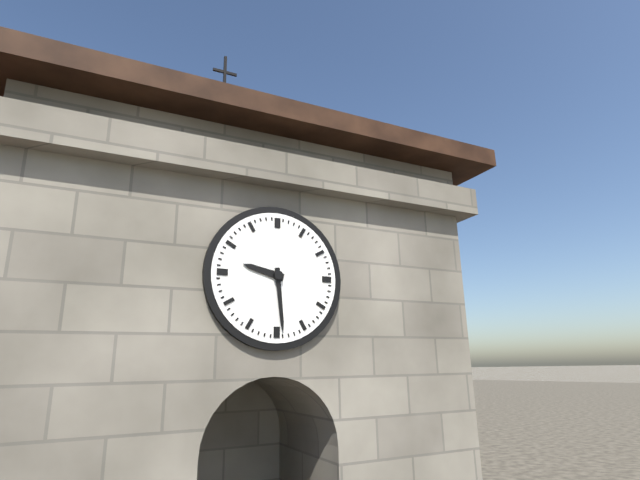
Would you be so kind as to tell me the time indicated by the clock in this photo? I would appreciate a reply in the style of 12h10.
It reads 9h29
